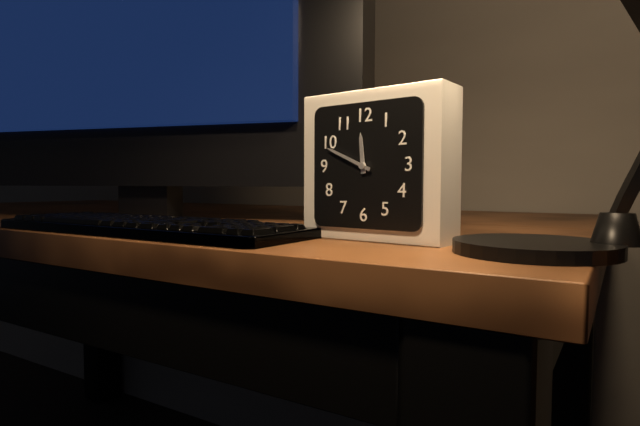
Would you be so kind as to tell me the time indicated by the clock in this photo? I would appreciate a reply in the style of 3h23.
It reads 11h49
